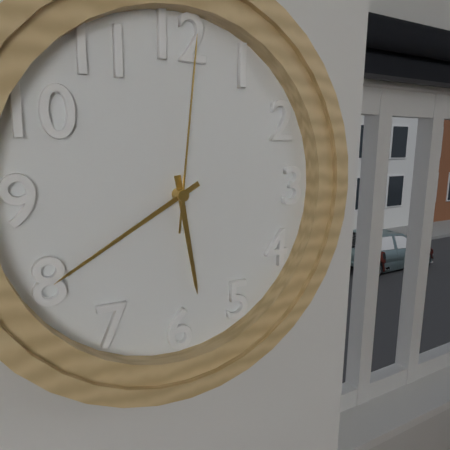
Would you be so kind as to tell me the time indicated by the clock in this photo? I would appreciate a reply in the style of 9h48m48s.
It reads 5h40m01s
